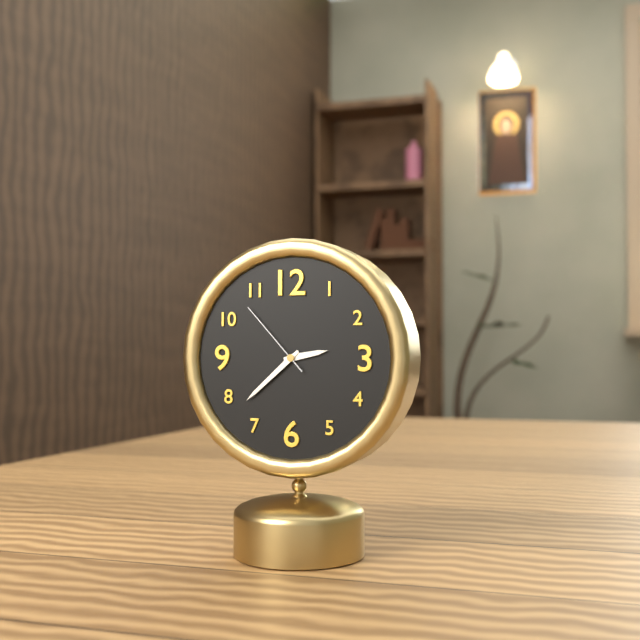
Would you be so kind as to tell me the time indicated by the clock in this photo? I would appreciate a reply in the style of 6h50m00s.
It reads 2h38m53s
